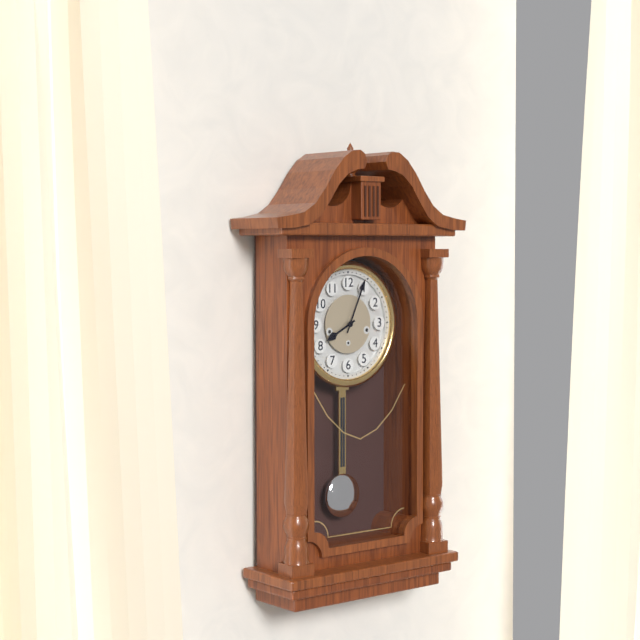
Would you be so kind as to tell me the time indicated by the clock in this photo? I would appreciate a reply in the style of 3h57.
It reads 8h04
